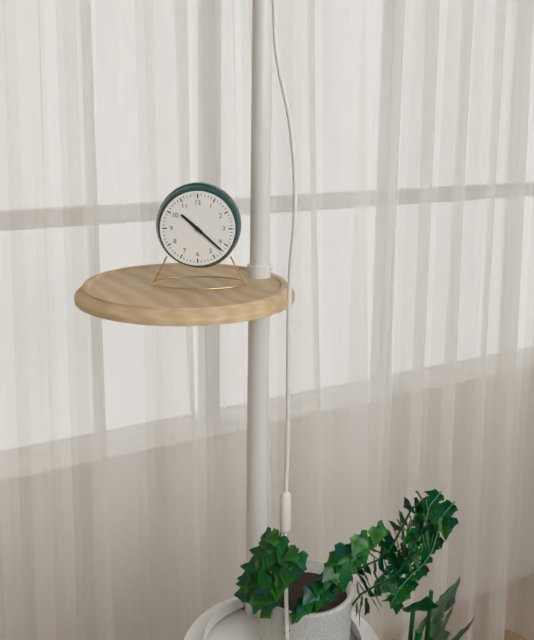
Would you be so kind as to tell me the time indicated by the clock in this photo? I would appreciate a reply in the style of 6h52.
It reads 10h22
